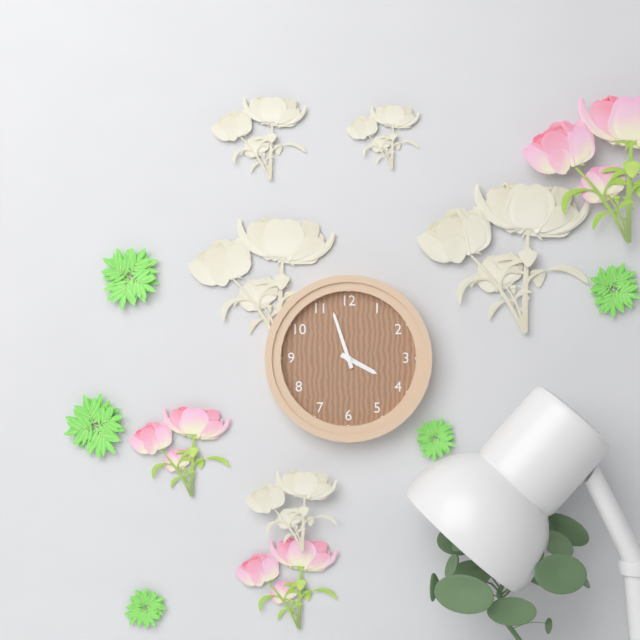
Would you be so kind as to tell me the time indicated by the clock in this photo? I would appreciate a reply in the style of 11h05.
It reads 3h57
